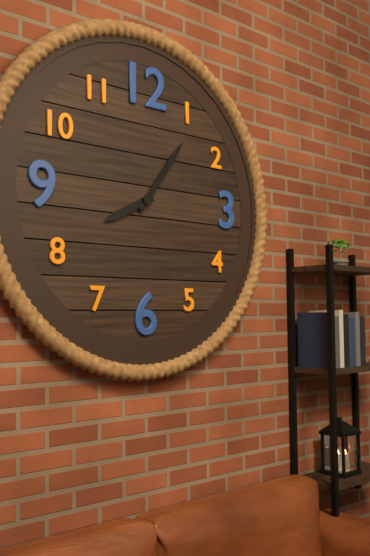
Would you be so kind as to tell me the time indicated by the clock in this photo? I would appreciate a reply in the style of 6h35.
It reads 8h06
